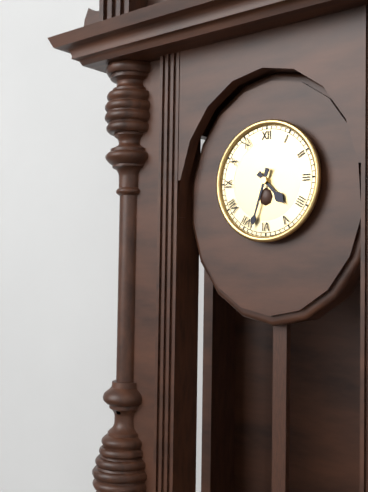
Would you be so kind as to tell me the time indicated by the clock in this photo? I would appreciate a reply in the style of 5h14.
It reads 4h33
